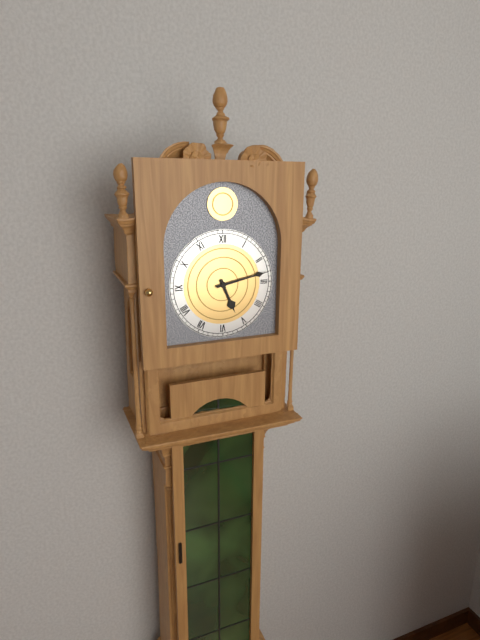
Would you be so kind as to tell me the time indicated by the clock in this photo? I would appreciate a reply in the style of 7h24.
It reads 5h13
